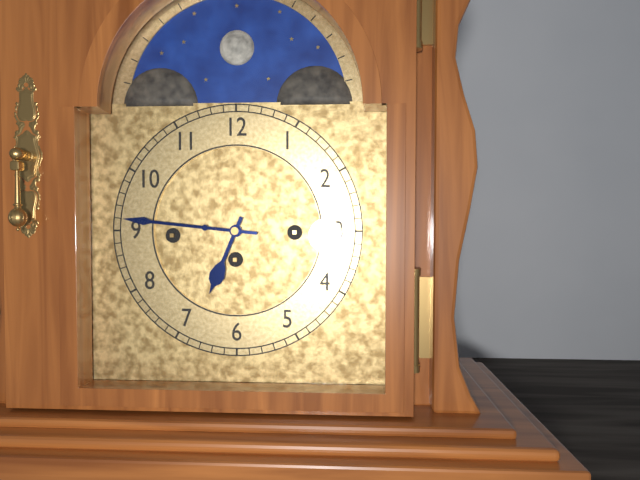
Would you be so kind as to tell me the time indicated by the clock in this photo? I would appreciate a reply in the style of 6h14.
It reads 6h46
